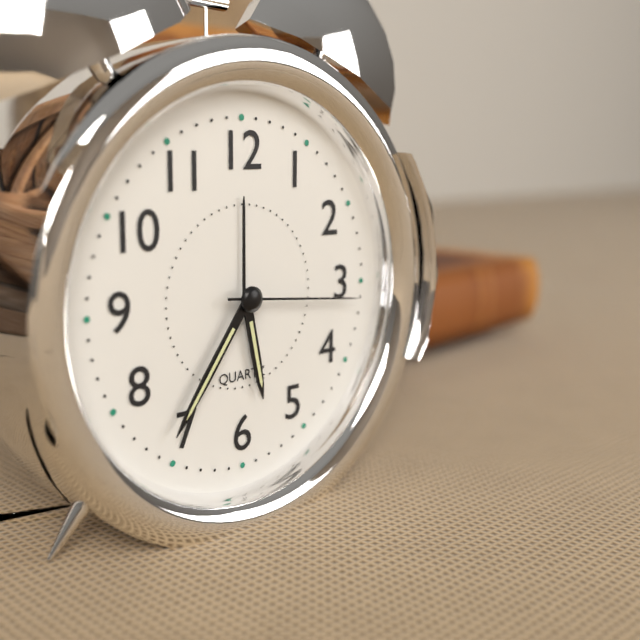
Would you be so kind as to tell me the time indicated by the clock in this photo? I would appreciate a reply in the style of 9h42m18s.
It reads 5h36m16s
